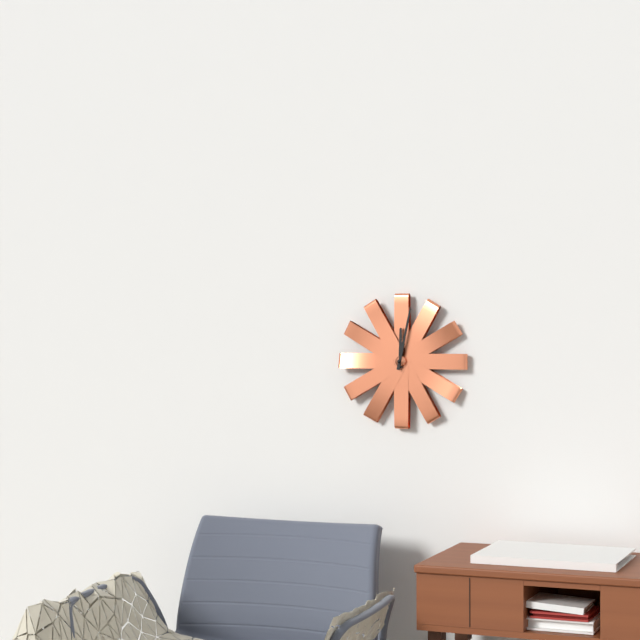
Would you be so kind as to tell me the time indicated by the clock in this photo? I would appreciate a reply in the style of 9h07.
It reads 12h02
